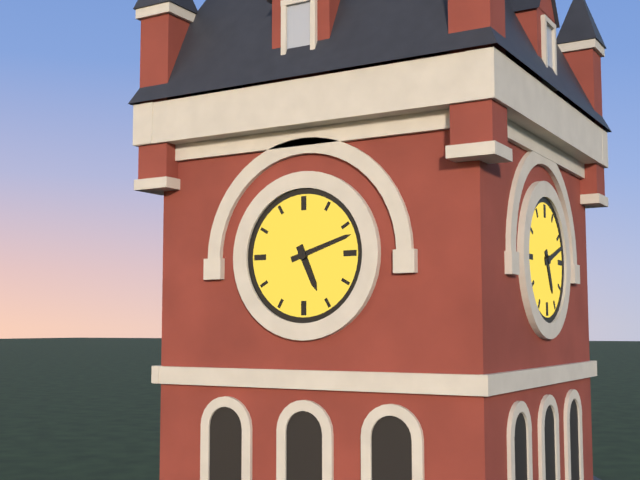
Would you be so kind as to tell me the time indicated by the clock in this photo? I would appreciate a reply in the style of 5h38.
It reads 5h12
